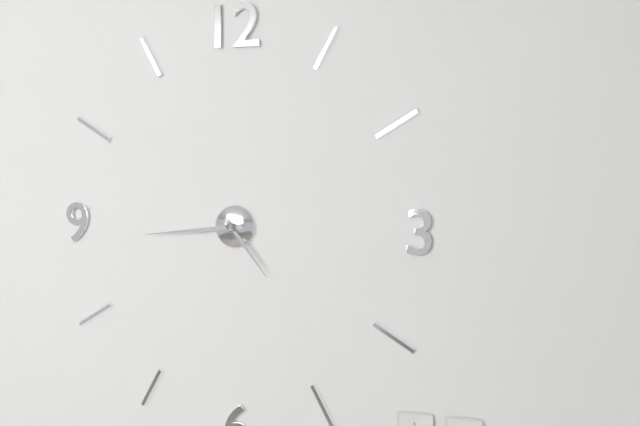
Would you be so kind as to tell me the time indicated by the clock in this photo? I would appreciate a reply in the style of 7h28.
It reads 4h44
